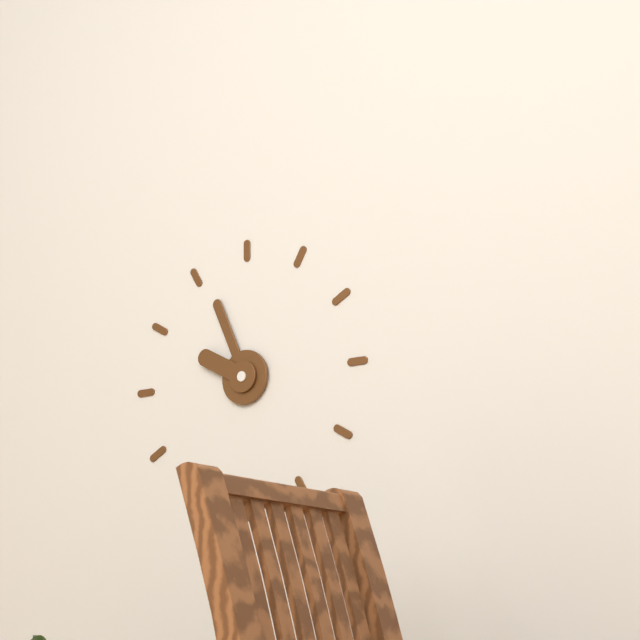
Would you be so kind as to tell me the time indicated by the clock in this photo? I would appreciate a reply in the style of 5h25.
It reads 9h56
